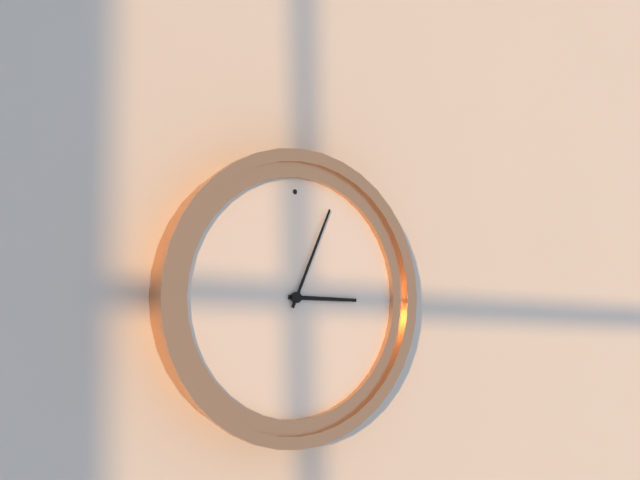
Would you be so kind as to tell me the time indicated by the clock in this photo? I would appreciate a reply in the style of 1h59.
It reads 3h04
